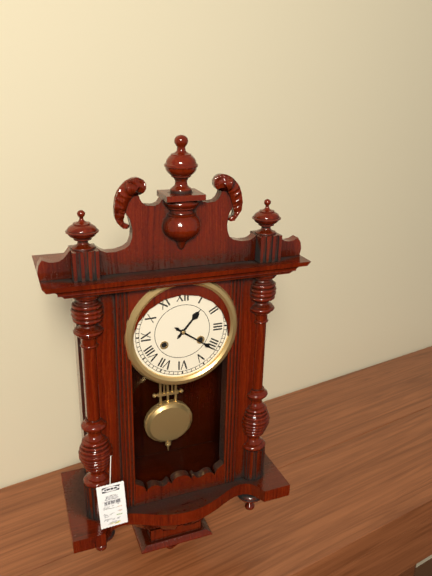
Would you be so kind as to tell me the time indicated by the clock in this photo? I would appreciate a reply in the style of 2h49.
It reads 1h21
